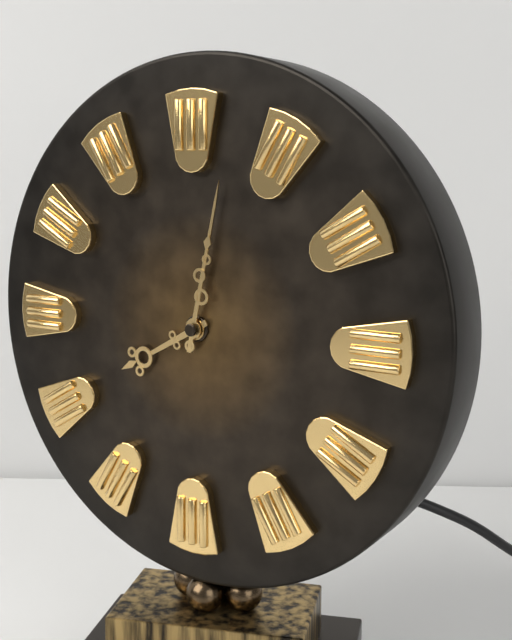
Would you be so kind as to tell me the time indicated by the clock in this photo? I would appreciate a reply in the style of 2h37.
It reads 8h02
